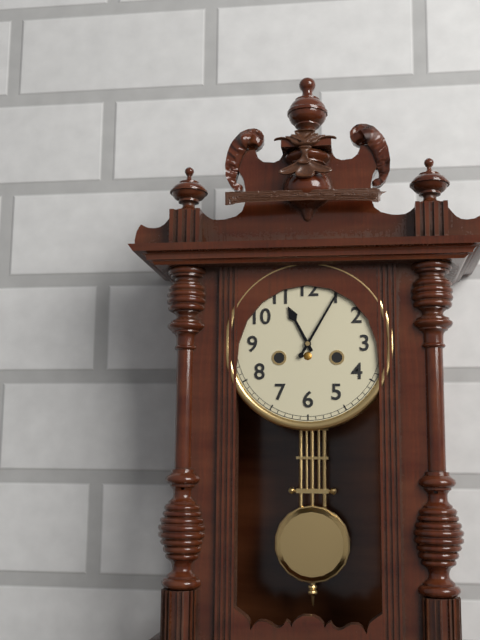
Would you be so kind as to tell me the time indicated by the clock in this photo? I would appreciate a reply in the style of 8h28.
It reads 11h05
